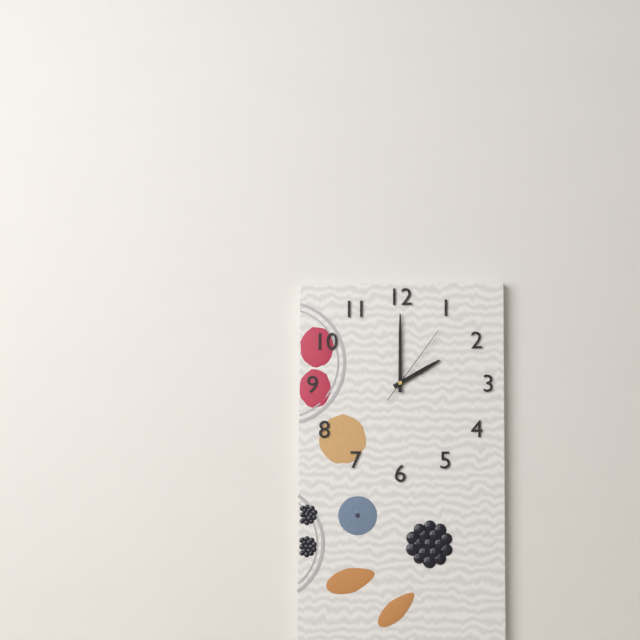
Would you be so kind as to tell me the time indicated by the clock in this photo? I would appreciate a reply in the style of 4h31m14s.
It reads 2h00m06s
